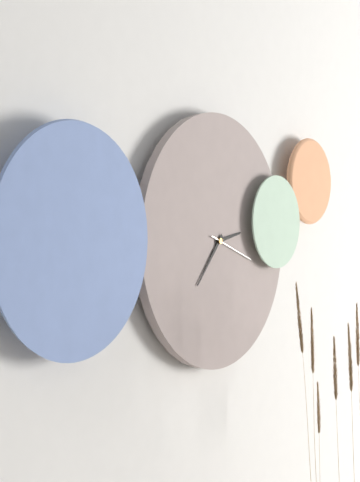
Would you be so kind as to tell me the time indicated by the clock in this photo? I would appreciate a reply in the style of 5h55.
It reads 2h37
